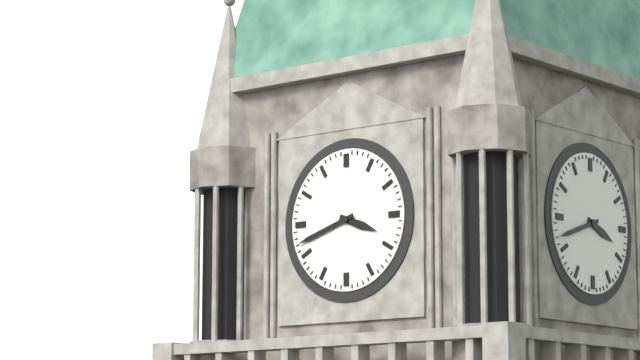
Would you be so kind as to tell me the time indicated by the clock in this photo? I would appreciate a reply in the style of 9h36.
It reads 3h42
